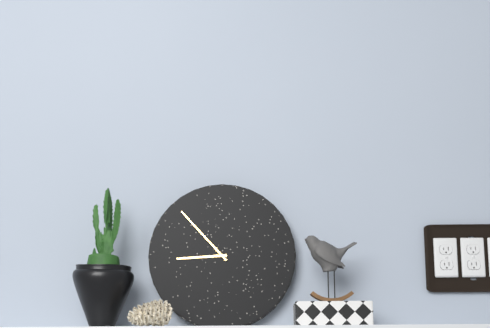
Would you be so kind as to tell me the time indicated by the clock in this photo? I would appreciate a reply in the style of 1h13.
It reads 8h53
